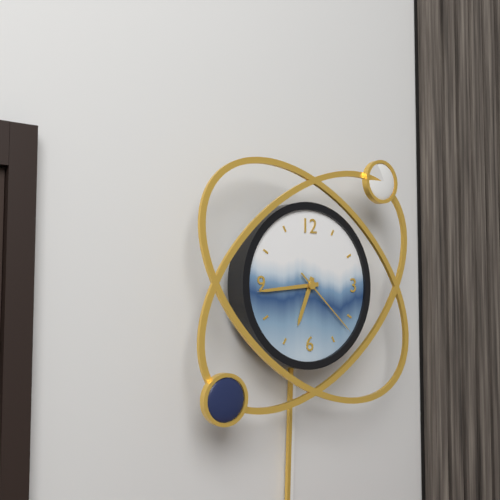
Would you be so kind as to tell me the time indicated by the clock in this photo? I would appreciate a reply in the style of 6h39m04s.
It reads 6h44m22s
